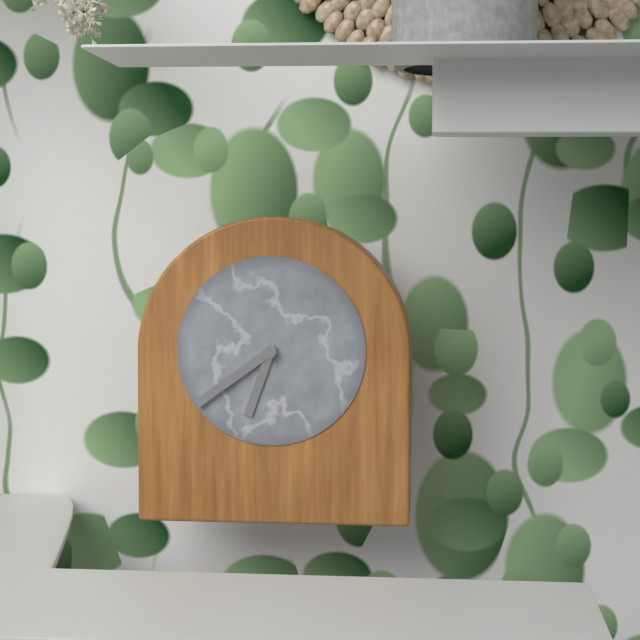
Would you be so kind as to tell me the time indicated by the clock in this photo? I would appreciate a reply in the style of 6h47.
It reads 6h39
